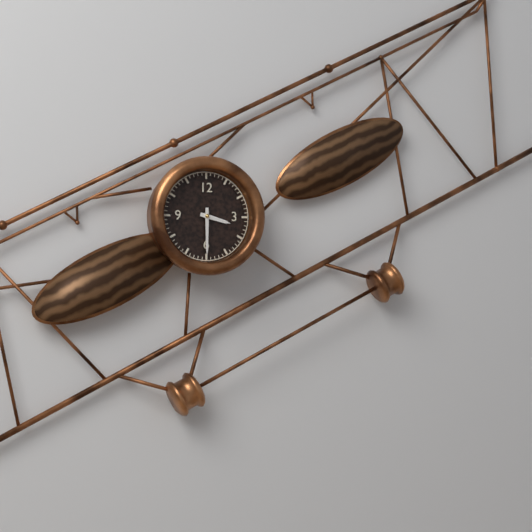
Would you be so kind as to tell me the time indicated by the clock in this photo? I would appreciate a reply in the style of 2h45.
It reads 3h30
